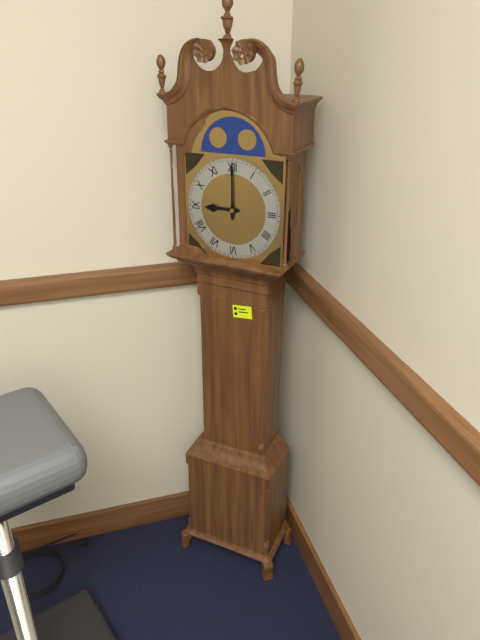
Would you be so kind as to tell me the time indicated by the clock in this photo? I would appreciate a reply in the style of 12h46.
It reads 9h00
